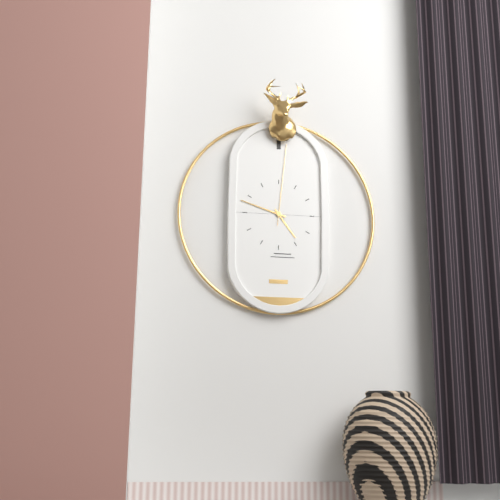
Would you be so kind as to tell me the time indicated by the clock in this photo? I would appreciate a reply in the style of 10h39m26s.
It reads 4h48m01s
